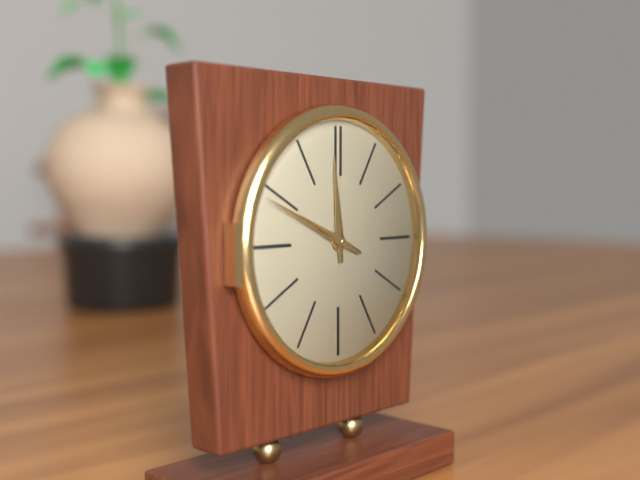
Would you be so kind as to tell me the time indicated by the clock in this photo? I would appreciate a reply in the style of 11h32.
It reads 11h49
